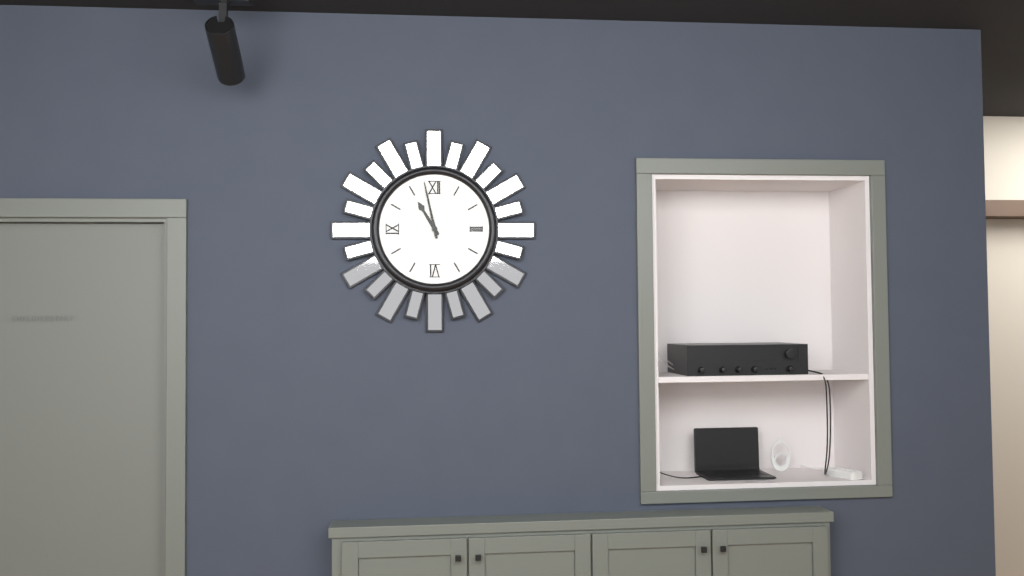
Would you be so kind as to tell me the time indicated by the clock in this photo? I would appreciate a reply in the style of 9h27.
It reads 10h58
